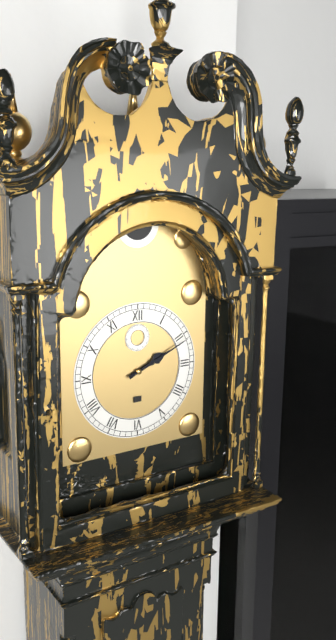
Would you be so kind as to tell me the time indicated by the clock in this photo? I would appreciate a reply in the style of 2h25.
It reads 2h11
